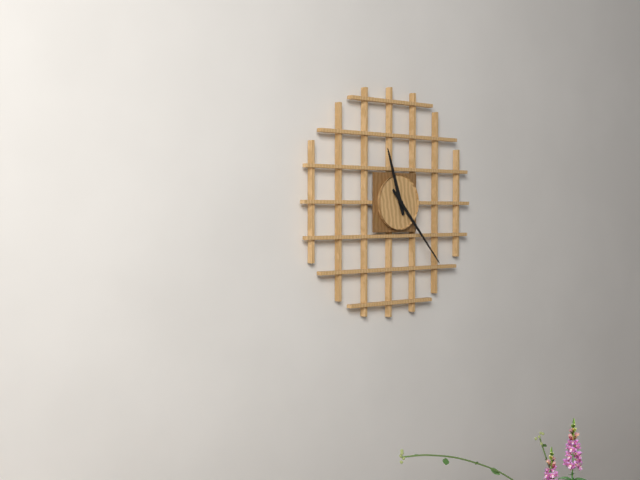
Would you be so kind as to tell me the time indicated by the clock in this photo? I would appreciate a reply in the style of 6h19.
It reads 11h23
